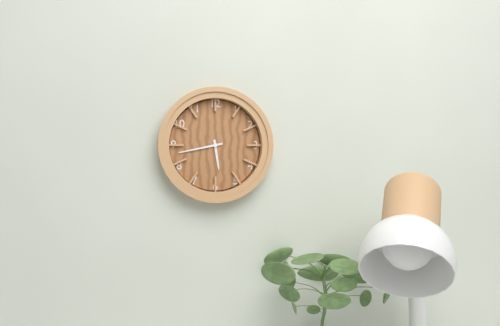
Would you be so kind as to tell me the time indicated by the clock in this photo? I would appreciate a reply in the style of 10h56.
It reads 5h43
